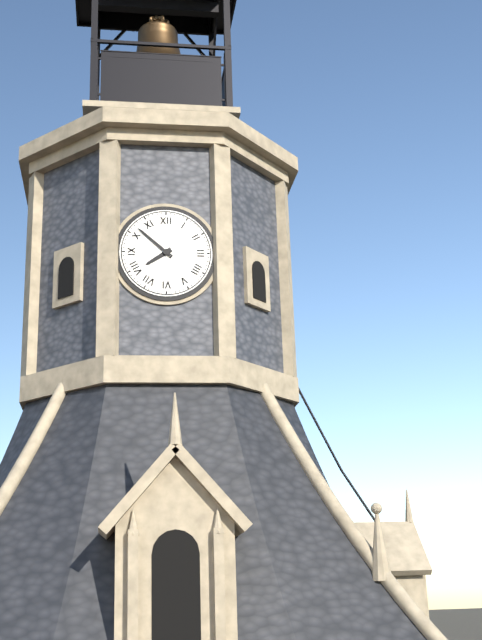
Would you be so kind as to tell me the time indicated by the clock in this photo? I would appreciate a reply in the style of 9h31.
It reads 7h52
